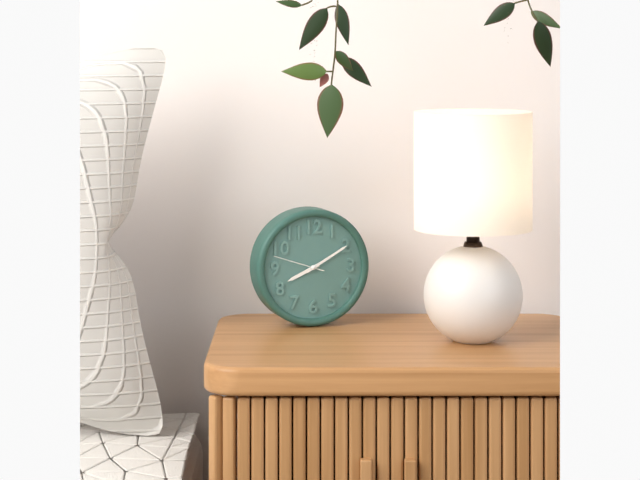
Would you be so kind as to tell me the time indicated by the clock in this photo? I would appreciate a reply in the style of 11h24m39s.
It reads 8h10m48s
